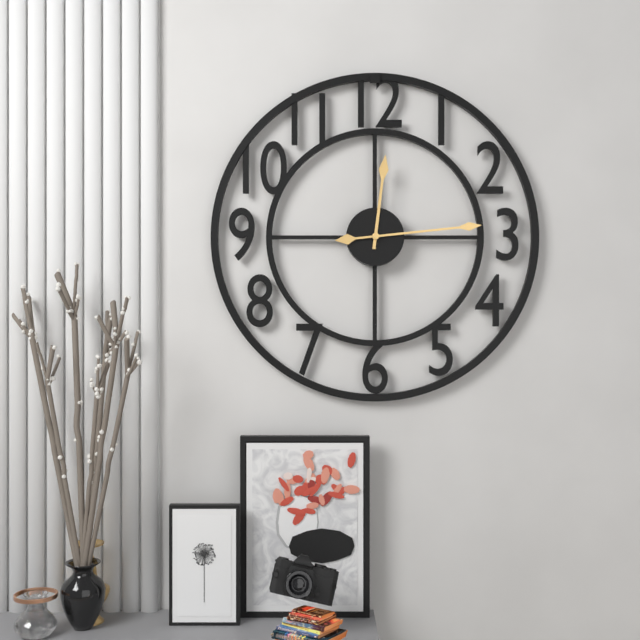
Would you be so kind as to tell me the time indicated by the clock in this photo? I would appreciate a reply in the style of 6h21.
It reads 12h14
